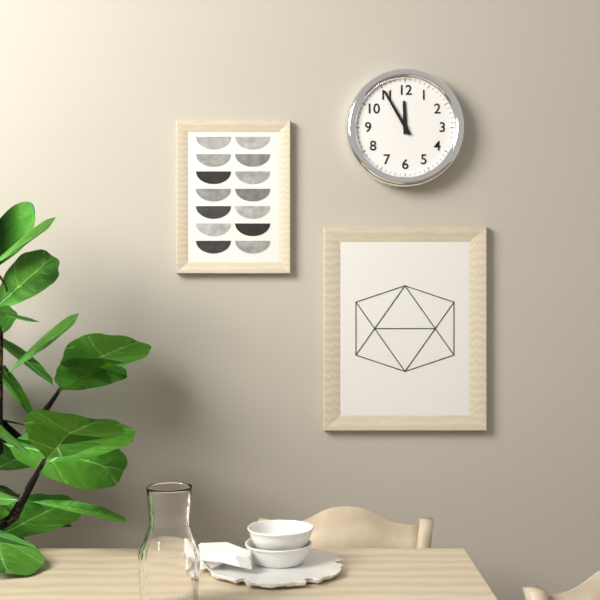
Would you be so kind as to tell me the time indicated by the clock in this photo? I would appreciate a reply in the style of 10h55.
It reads 11h55
